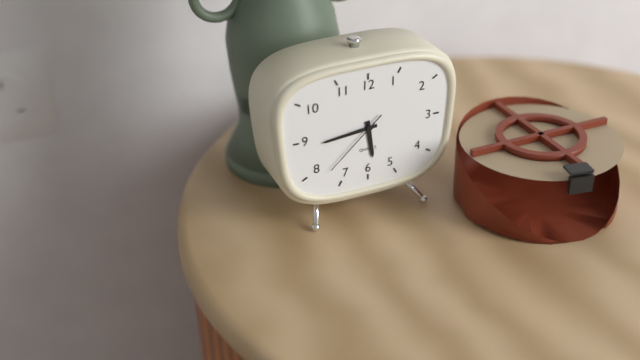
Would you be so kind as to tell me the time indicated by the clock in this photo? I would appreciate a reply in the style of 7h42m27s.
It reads 5h44m38s
